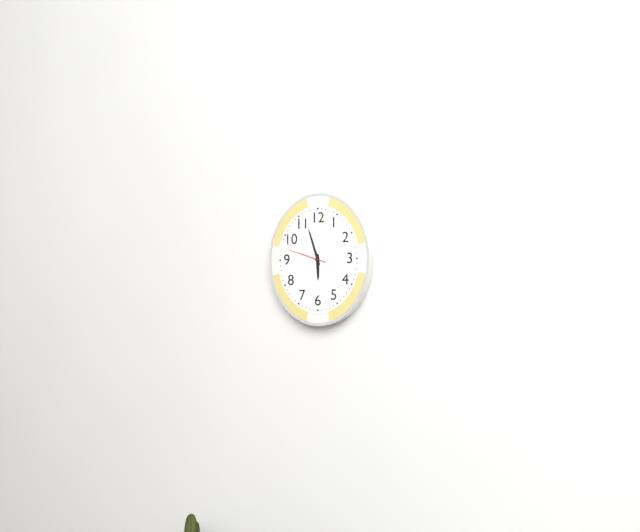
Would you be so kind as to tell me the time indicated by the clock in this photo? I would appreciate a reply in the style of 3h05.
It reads 5h57
